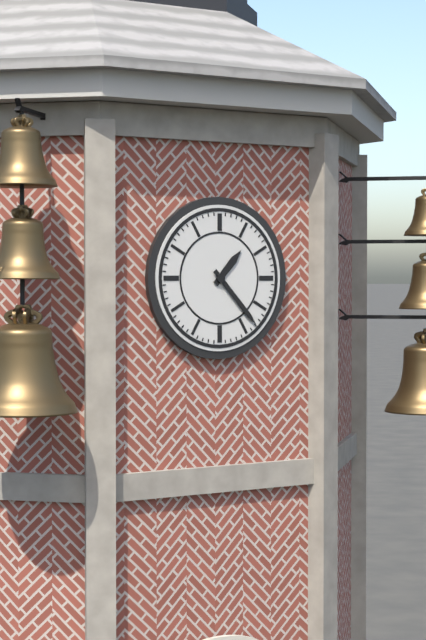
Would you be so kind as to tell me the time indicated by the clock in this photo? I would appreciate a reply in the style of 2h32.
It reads 1h23
